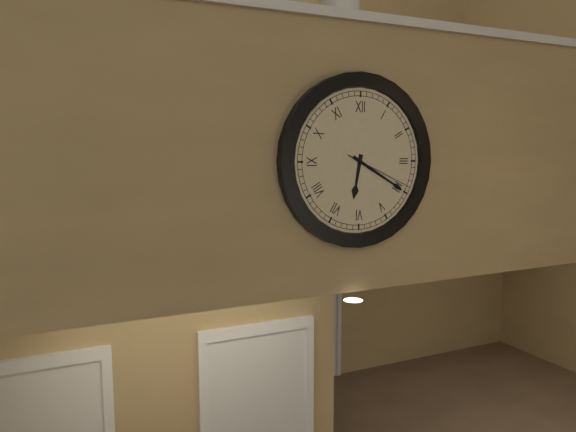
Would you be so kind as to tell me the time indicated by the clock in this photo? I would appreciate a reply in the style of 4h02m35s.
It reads 6h20m19s
